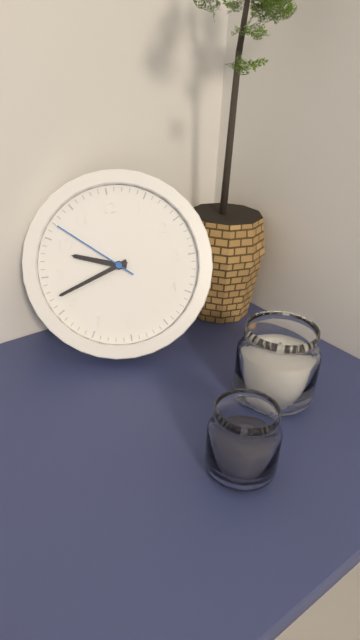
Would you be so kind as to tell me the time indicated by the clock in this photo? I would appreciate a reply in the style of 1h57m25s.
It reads 9h42m52s
